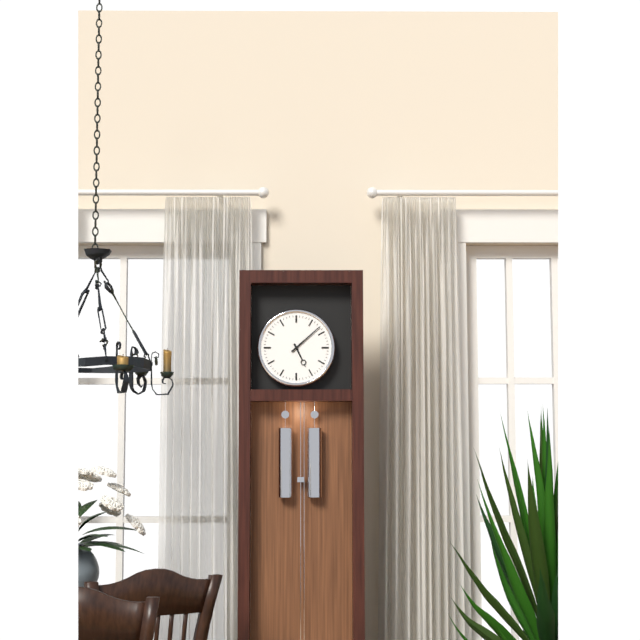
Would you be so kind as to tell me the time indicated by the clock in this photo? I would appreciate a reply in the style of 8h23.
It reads 5h08
